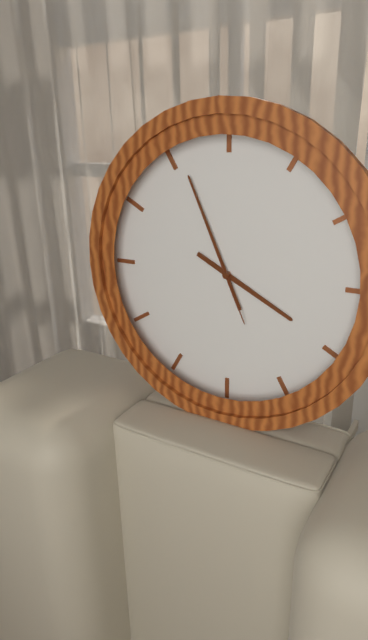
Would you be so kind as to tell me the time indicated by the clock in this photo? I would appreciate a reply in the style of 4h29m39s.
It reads 3h56m26s
